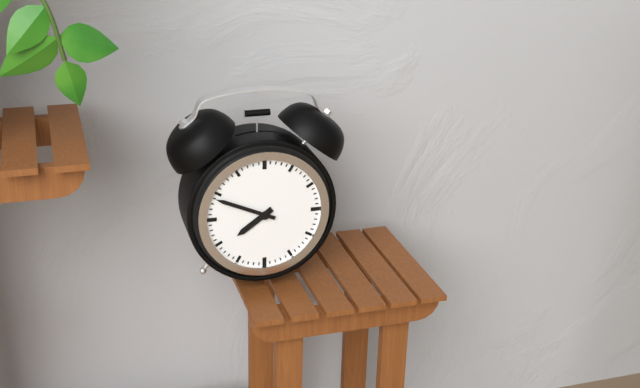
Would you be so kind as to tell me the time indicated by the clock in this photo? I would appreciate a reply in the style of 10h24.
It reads 7h49
